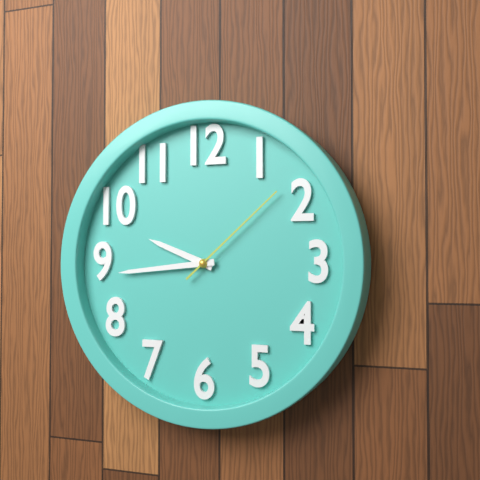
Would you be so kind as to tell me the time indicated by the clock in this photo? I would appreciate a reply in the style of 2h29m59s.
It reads 9h44m08s
